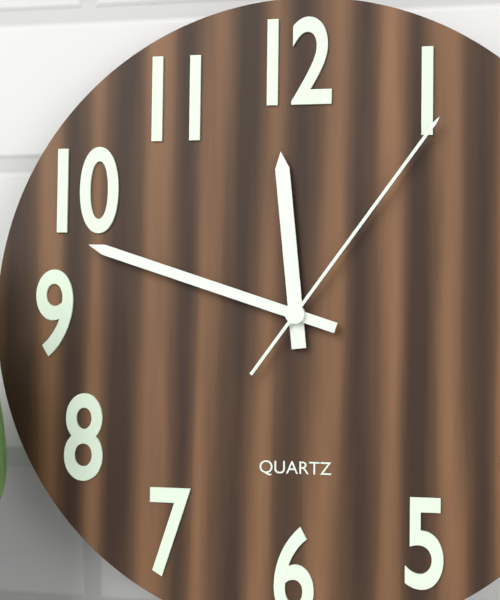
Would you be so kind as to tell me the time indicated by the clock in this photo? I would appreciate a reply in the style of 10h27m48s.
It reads 11h48m06s
